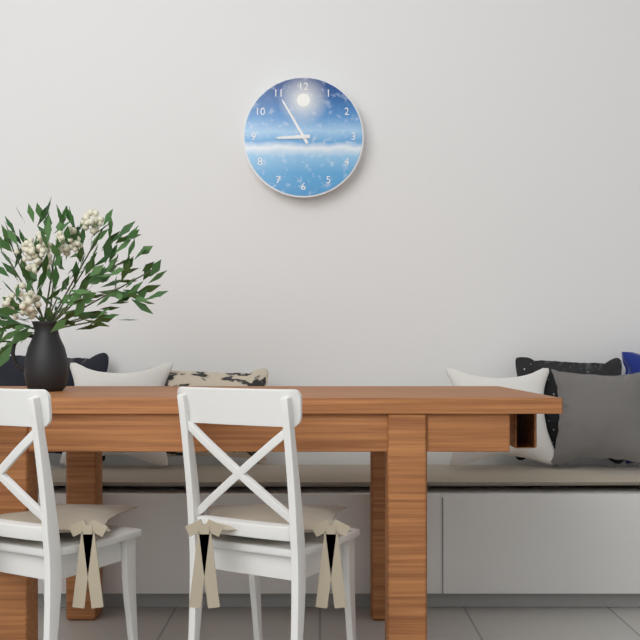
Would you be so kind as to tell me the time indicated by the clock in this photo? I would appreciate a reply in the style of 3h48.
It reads 8h55
